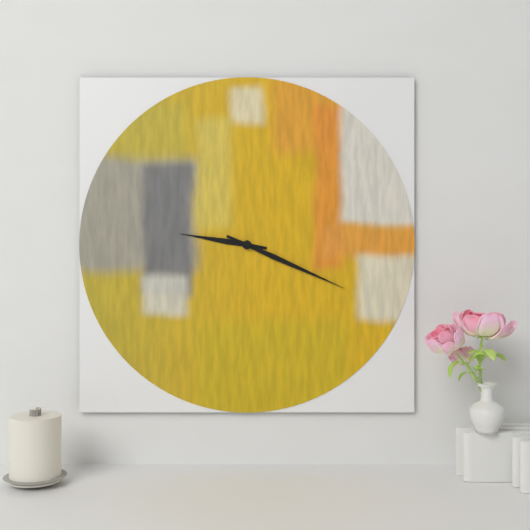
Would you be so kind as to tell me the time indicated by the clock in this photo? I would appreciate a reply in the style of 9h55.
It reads 9h19
